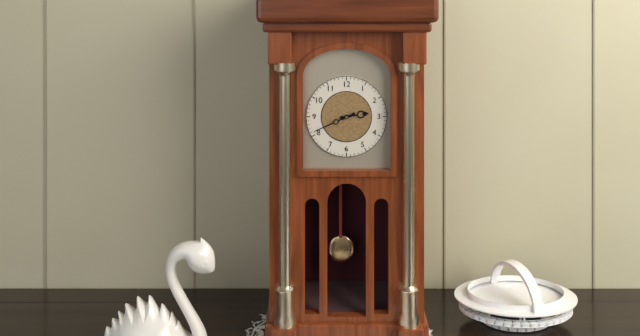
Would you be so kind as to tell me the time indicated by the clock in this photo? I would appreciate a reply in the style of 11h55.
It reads 2h41
